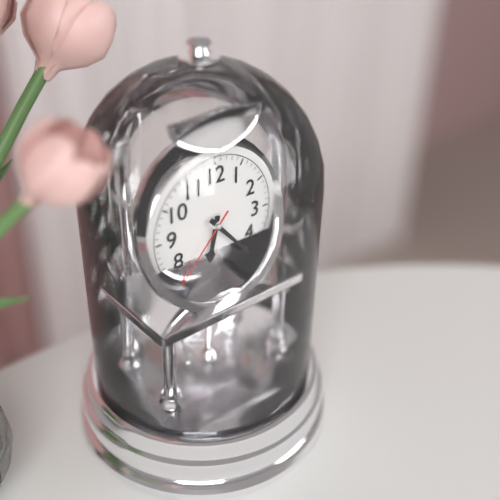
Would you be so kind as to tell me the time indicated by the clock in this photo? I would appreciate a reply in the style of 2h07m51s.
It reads 6h23m37s
